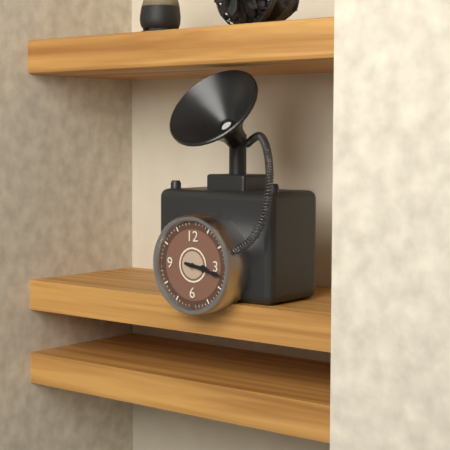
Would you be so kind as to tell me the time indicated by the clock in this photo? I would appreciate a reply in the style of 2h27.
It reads 3h17
